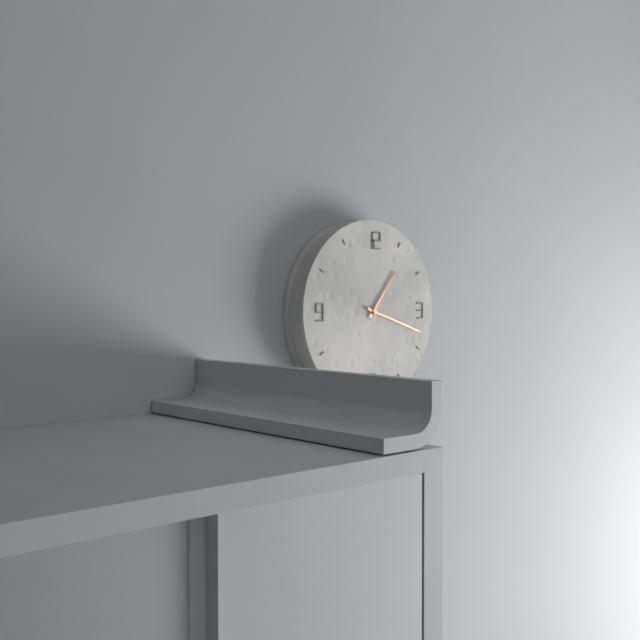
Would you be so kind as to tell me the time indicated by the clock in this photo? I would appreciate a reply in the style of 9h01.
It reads 1h18
